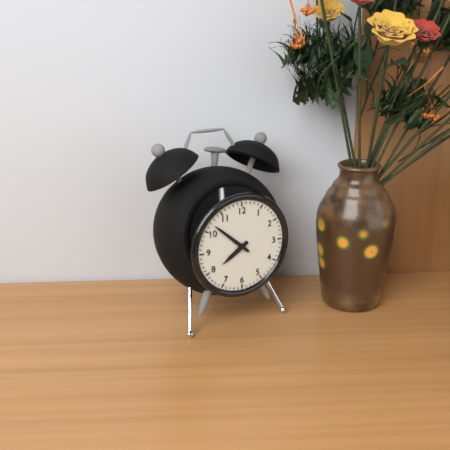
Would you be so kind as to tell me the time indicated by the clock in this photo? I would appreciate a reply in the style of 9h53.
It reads 7h52
